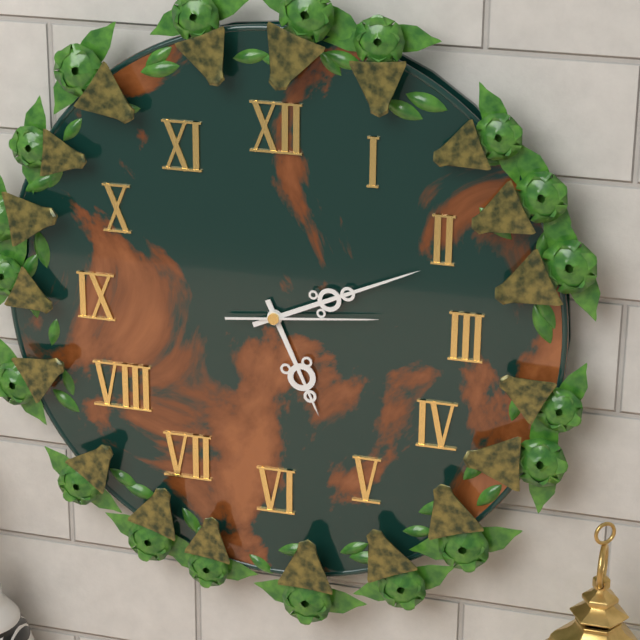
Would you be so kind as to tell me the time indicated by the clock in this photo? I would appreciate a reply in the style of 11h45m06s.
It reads 5h11m14s
